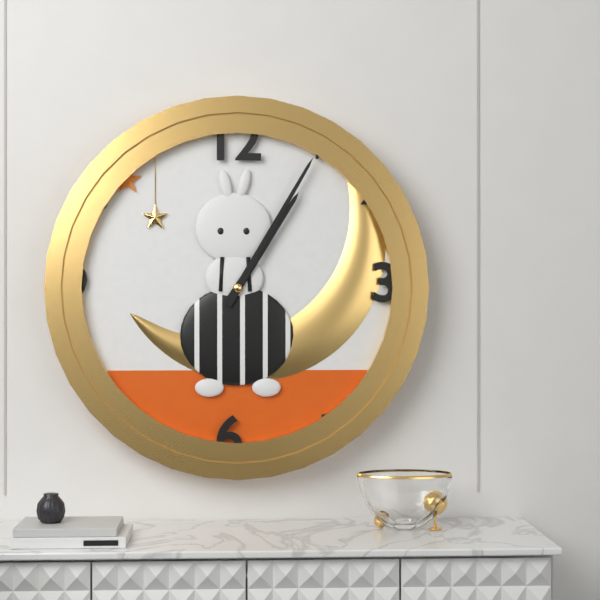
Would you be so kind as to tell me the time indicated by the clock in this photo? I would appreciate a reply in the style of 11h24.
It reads 1h05
